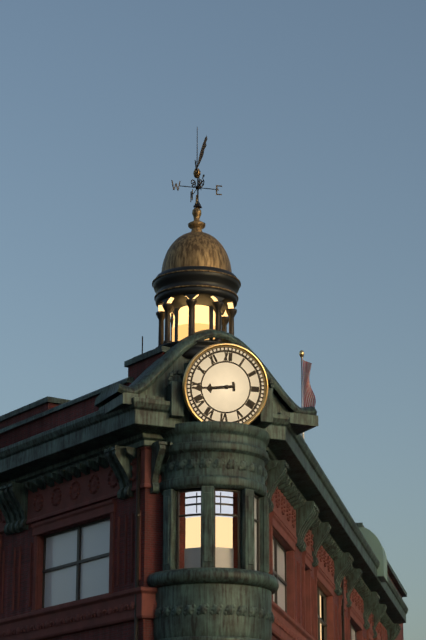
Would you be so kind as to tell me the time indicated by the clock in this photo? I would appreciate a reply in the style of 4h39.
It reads 8h44
